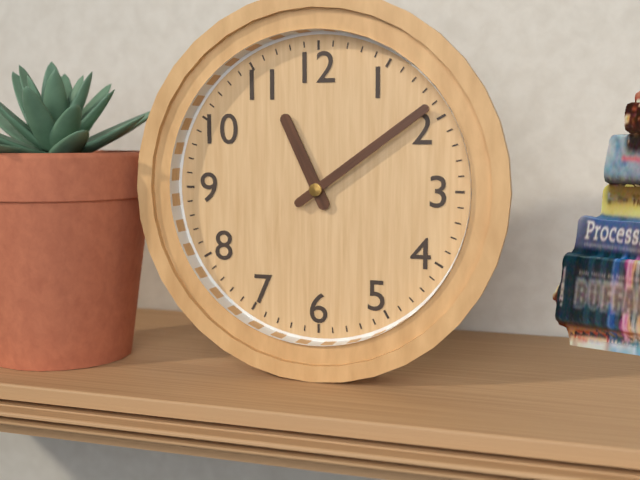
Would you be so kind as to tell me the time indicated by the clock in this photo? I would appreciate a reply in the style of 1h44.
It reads 11h09
